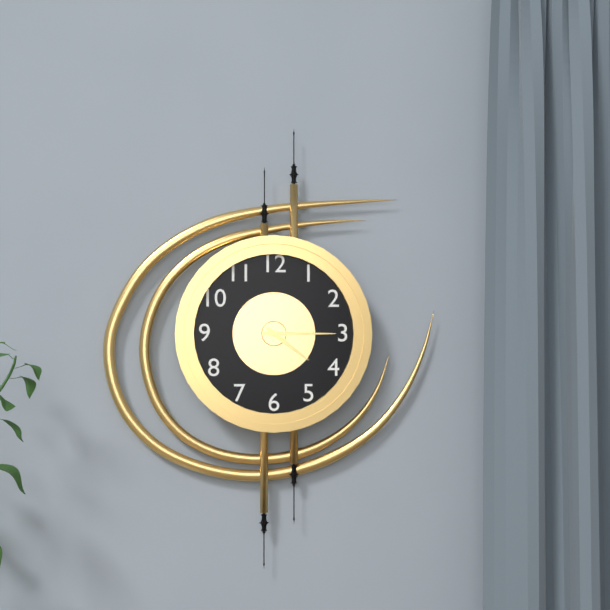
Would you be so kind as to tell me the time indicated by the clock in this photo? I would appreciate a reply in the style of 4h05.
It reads 4h15
